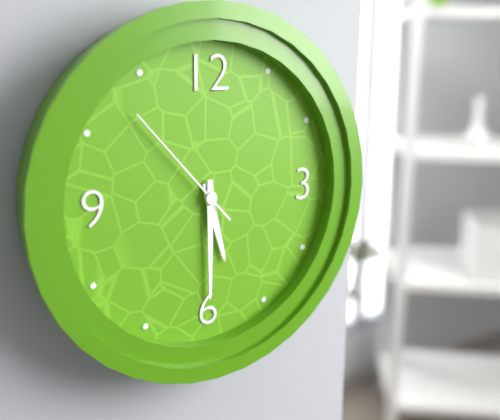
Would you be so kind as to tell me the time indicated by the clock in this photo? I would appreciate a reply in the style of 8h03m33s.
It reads 5h30m53s
